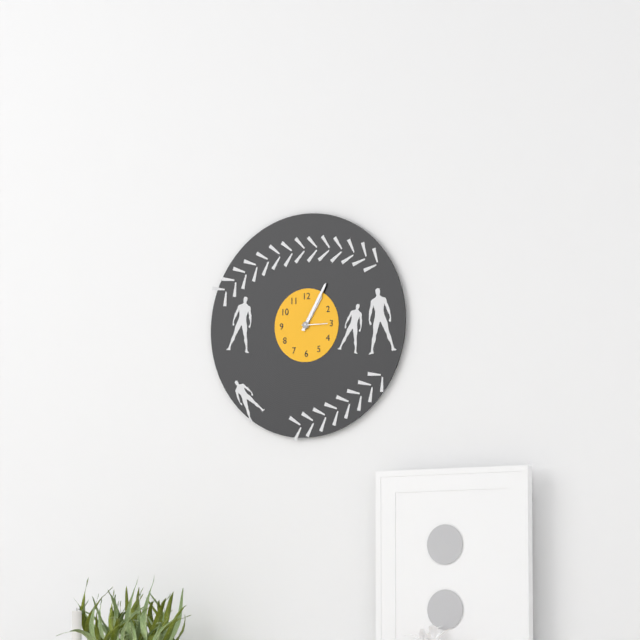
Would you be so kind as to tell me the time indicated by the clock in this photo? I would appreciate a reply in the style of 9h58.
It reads 1h05
